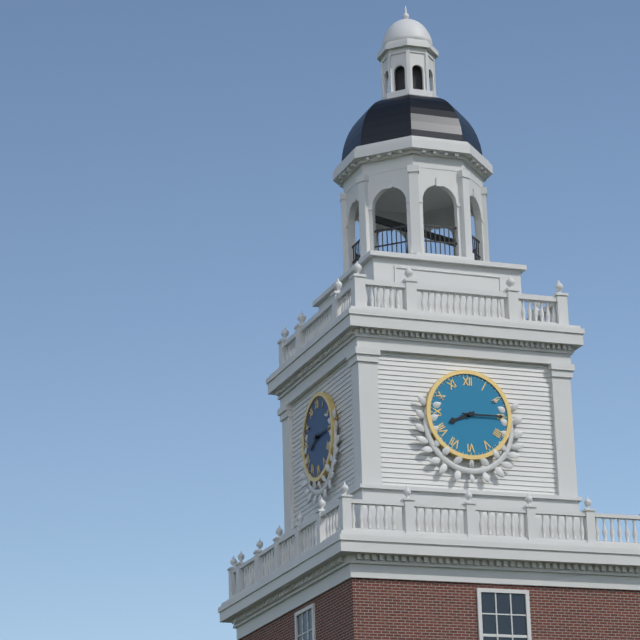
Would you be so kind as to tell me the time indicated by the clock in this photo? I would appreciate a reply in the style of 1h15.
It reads 8h15
